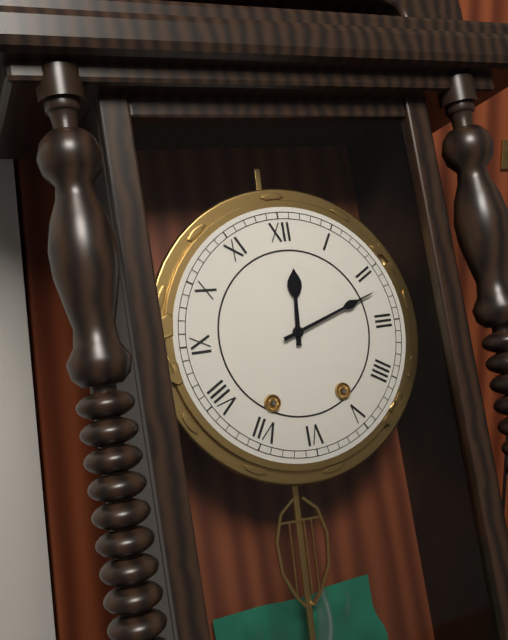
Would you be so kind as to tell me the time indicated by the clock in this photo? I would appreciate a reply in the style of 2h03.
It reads 12h12
